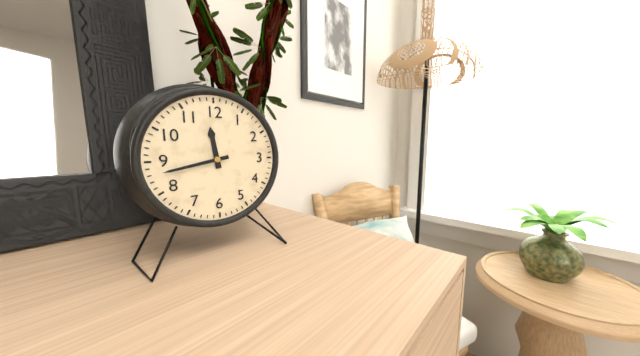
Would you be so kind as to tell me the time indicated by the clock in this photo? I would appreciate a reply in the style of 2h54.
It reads 11h43
